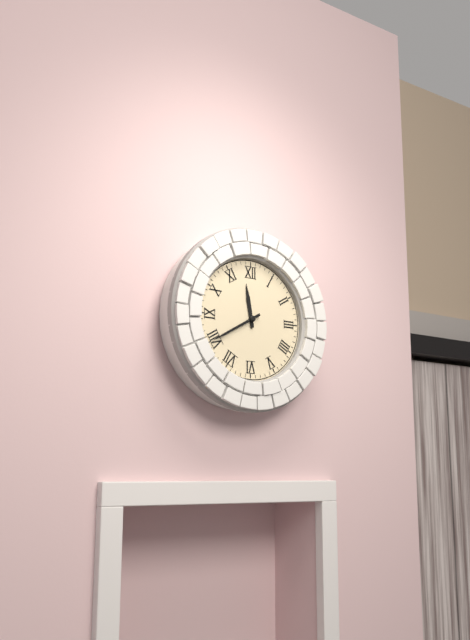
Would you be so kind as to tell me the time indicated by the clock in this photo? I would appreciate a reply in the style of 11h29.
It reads 11h40
